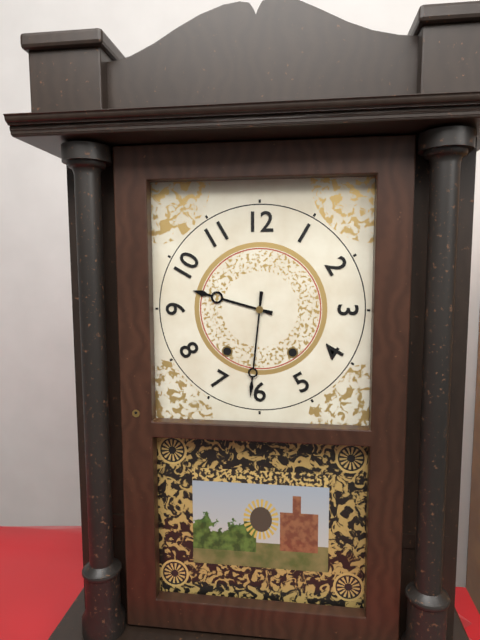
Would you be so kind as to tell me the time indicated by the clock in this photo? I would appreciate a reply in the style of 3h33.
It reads 9h31
